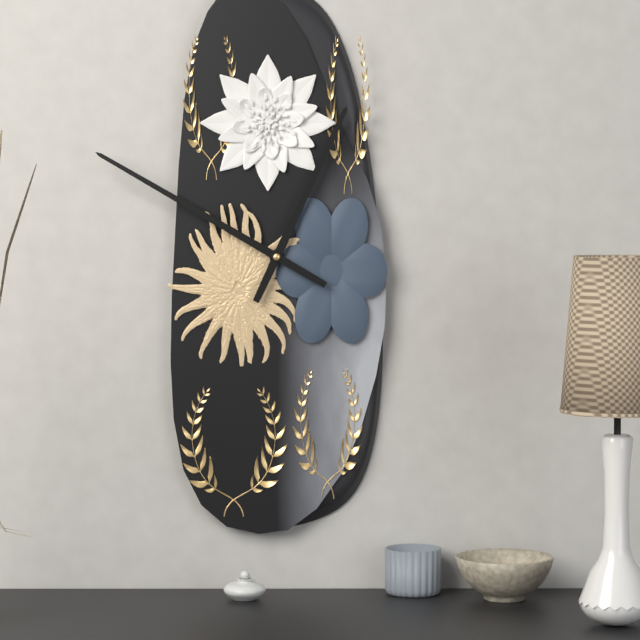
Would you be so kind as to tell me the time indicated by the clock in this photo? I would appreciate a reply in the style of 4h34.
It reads 12h50
